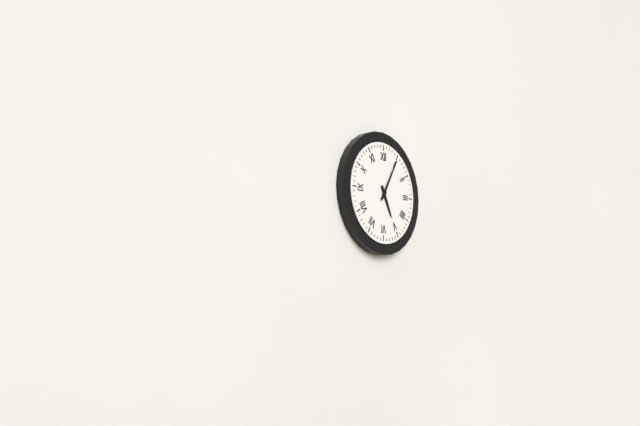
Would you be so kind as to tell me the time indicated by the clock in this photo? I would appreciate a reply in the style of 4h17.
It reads 5h05
